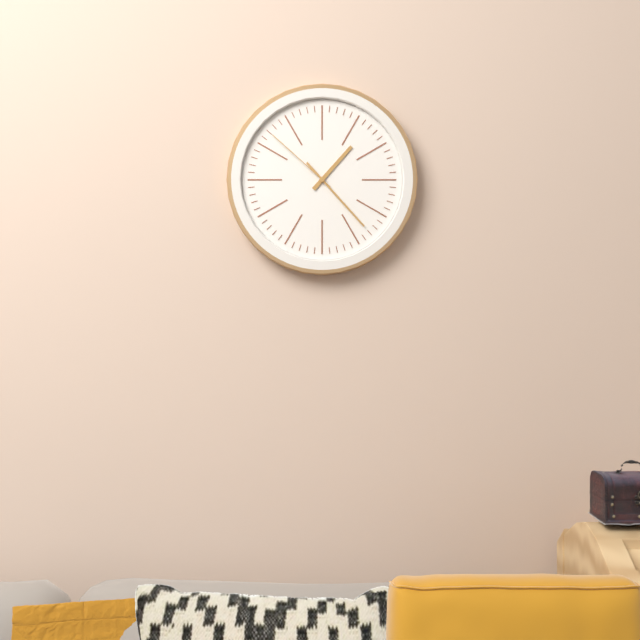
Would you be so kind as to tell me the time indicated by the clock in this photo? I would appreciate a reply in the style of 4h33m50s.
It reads 1h23m52s
